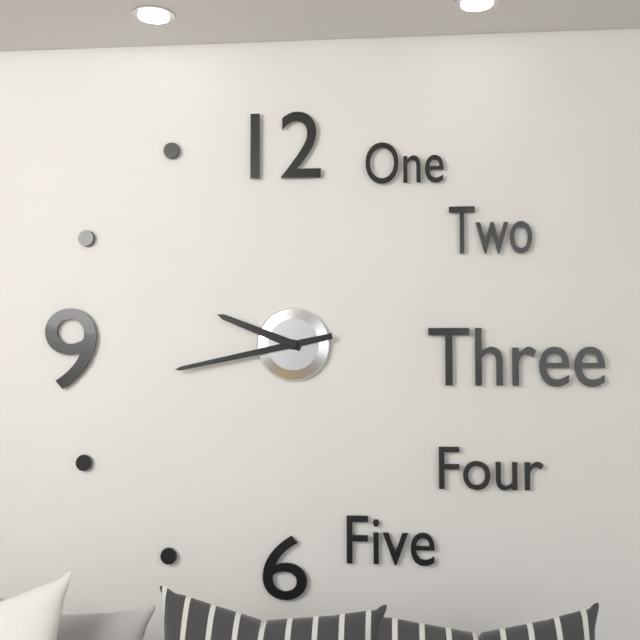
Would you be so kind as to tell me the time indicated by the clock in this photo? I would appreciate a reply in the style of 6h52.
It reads 9h43
